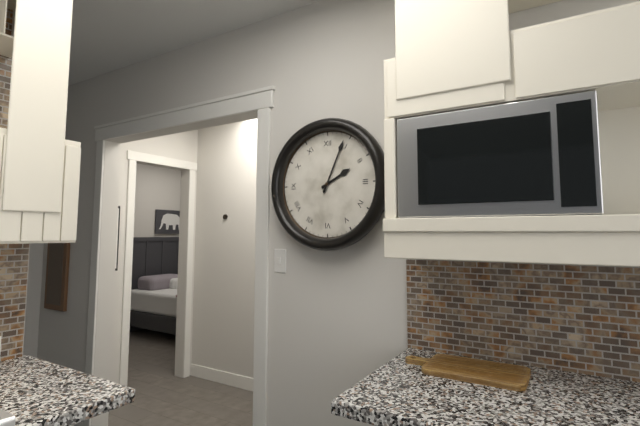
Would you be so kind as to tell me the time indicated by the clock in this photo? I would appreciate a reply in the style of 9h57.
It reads 2h04
